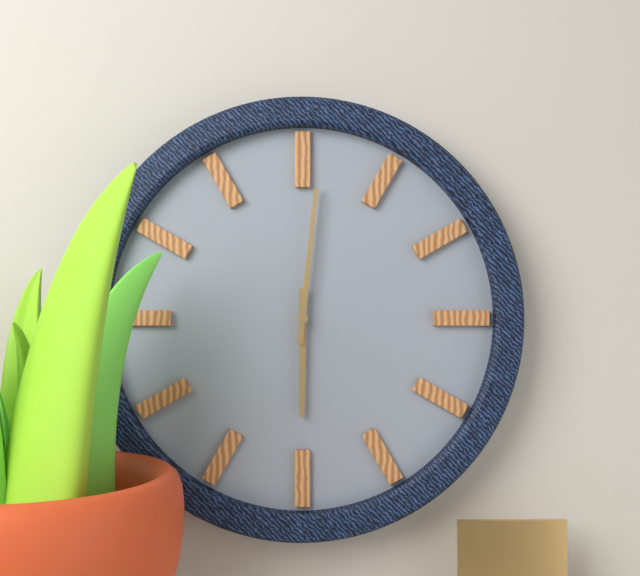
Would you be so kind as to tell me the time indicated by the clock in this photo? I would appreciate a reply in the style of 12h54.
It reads 6h01
